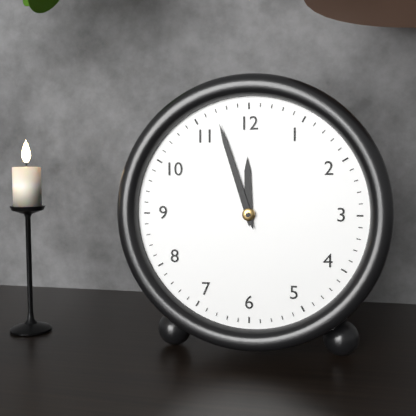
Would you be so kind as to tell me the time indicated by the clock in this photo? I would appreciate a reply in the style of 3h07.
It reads 11h57
